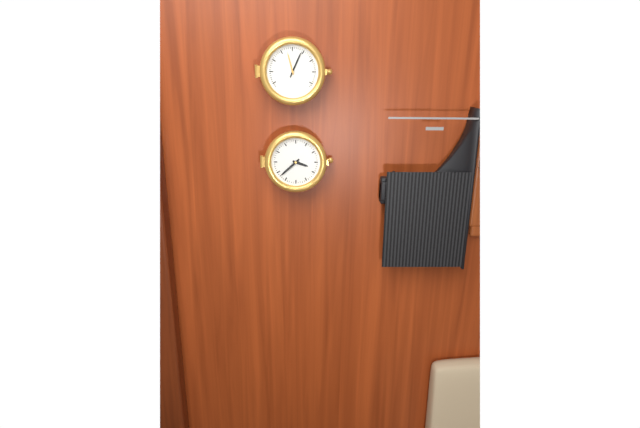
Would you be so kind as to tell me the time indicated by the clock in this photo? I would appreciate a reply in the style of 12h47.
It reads 3h38
